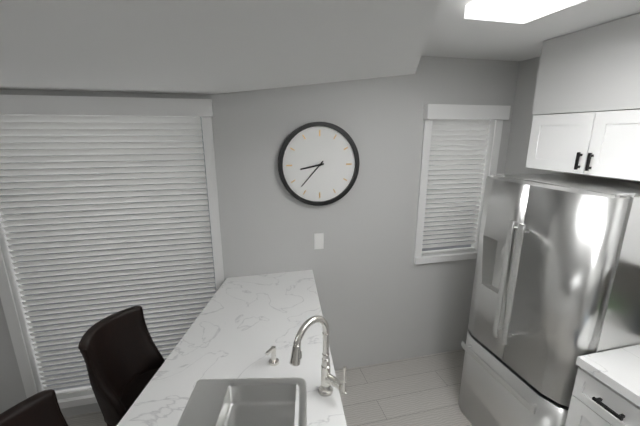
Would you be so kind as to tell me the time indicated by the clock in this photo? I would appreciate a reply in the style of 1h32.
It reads 8h37
